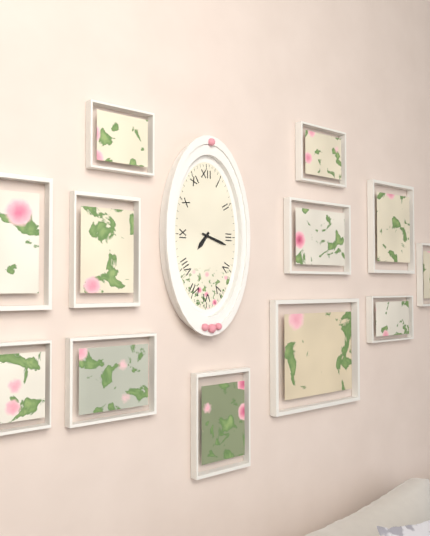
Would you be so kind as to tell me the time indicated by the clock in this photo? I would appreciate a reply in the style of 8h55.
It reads 7h18
